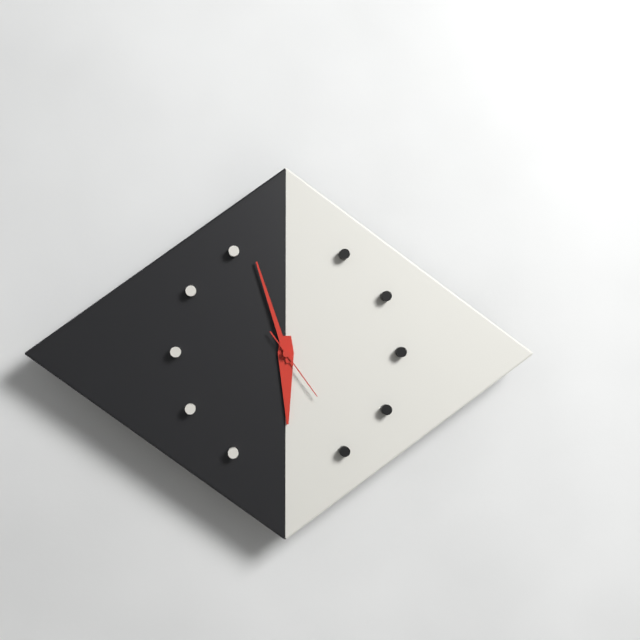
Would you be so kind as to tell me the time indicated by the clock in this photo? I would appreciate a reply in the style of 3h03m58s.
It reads 5h57m24s
